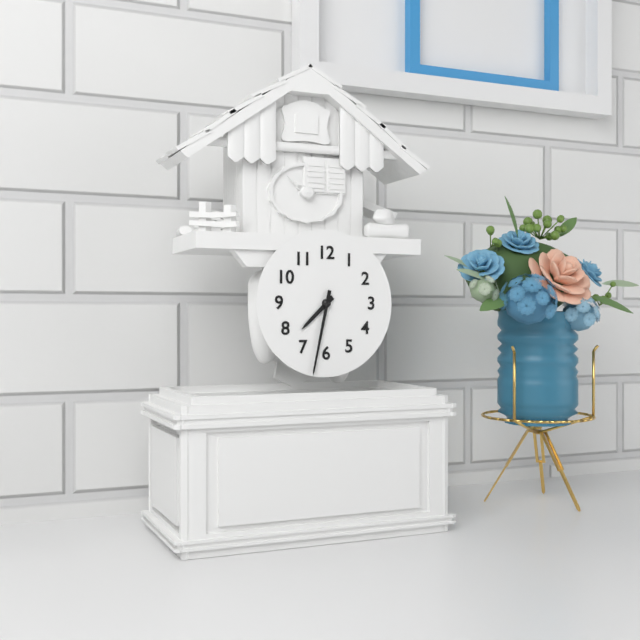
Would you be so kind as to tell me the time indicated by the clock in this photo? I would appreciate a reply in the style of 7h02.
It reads 7h32
